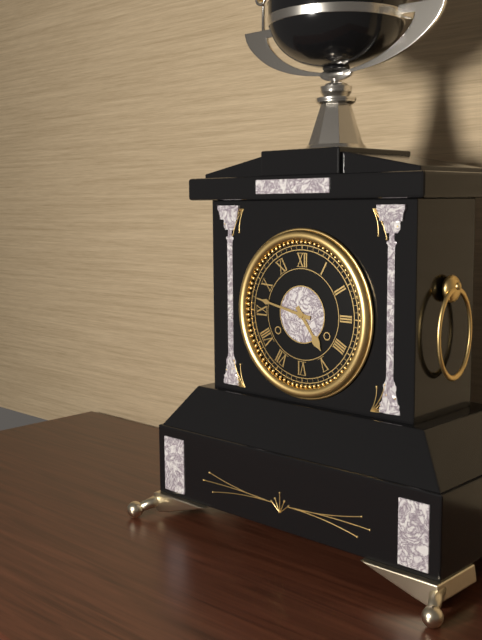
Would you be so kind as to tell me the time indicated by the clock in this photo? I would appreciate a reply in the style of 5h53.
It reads 4h47
